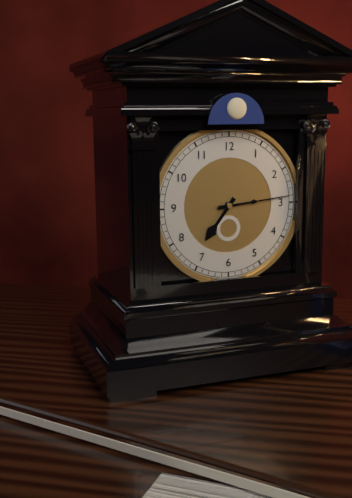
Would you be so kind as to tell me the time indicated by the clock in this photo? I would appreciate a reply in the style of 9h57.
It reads 7h14
